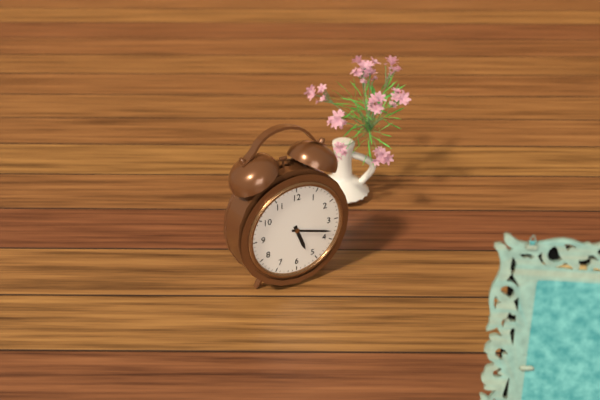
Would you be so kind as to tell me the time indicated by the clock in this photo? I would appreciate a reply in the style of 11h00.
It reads 5h18
